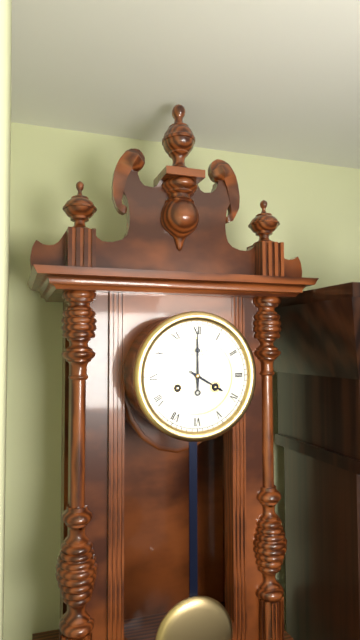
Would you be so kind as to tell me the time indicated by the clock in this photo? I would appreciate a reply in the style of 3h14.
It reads 4h00
